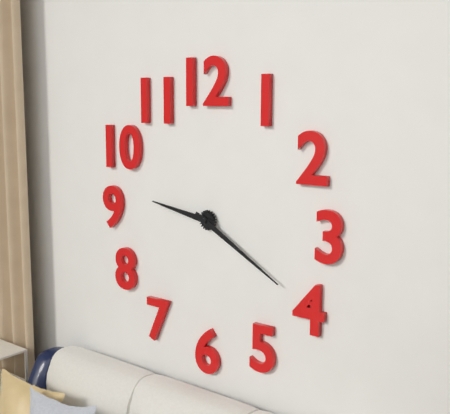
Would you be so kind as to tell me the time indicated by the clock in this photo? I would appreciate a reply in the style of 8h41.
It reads 9h20
